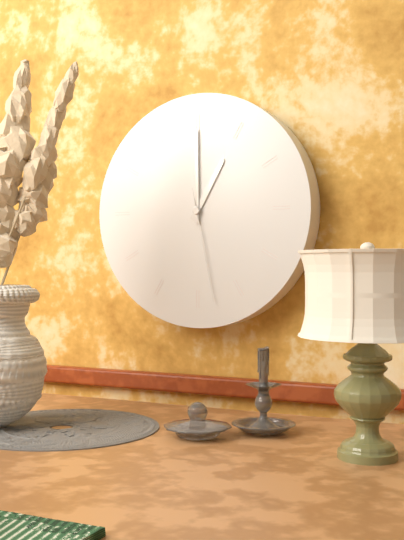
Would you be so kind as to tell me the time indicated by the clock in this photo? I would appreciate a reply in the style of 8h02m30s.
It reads 1h00m28s
